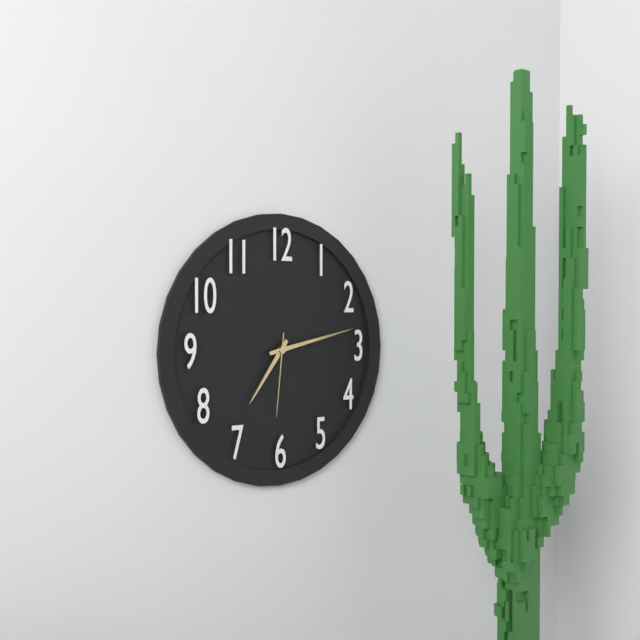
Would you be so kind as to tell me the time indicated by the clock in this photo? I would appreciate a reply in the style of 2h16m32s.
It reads 7h13m31s
